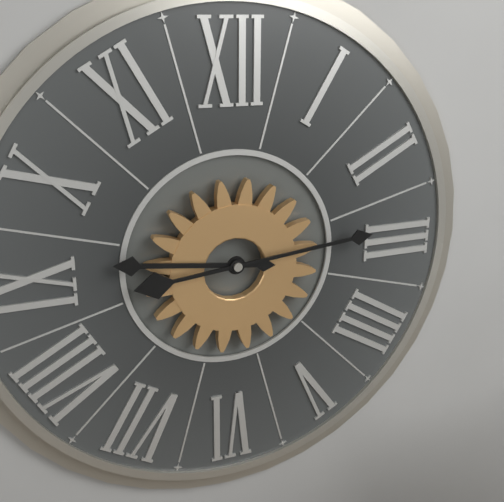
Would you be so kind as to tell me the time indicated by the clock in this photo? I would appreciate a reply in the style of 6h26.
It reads 9h14
